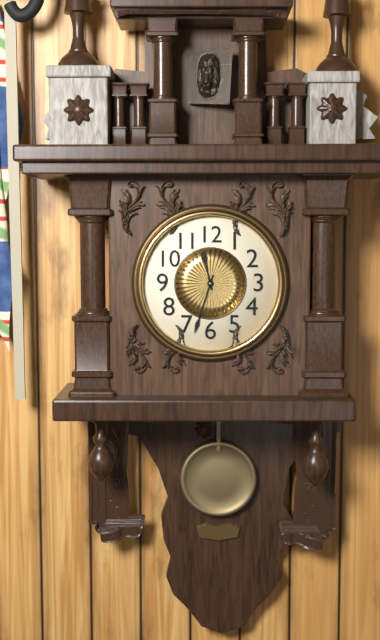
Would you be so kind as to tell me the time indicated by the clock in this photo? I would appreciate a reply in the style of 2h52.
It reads 11h33
